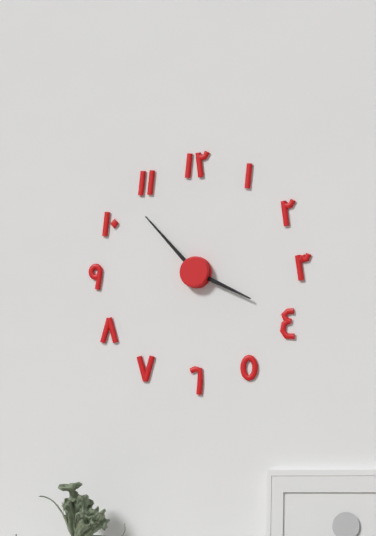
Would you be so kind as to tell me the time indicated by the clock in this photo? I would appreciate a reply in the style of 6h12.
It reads 3h53
